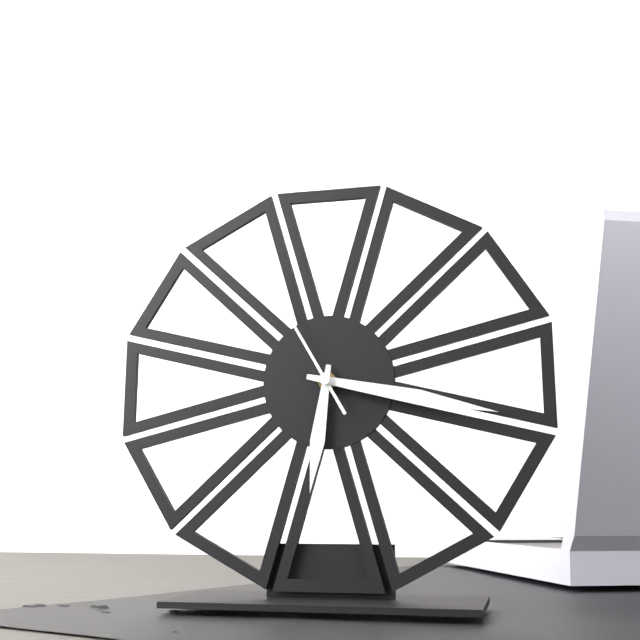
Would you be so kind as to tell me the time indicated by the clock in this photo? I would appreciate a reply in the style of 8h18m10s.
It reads 6h17m55s
